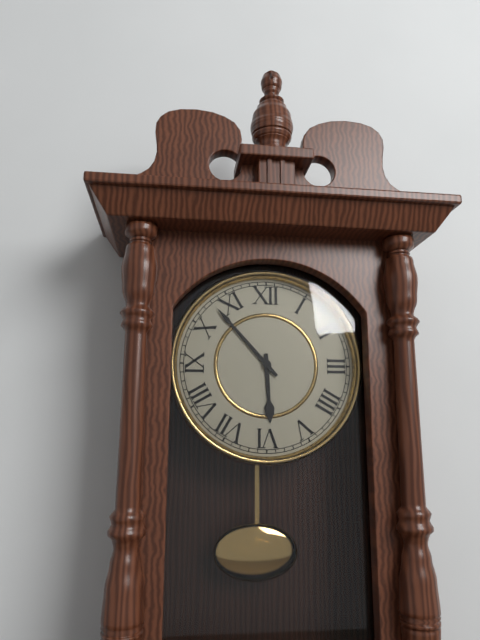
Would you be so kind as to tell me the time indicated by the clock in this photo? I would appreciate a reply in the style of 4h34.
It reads 5h53
